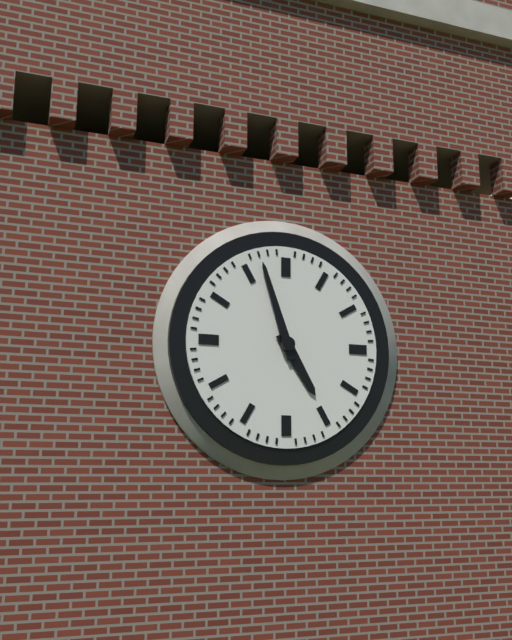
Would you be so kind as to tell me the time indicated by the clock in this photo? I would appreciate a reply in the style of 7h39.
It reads 4h57
